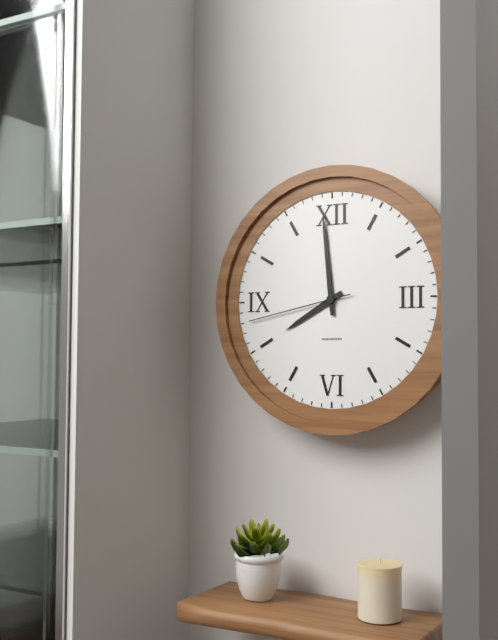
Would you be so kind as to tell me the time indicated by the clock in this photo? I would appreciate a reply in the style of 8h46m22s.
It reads 7h59m43s
